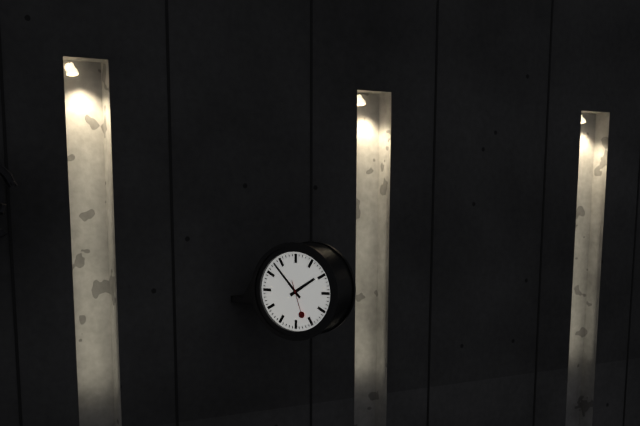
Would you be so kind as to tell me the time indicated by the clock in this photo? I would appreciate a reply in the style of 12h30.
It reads 1h53
